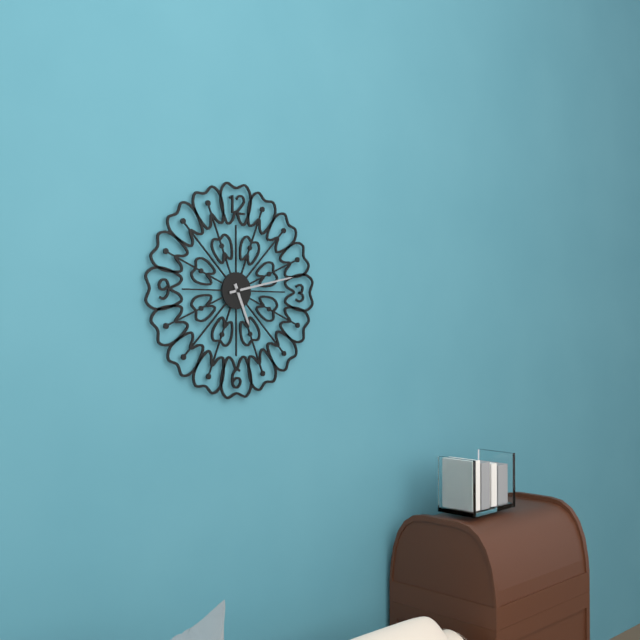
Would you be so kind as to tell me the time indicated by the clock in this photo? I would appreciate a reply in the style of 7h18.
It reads 5h13
